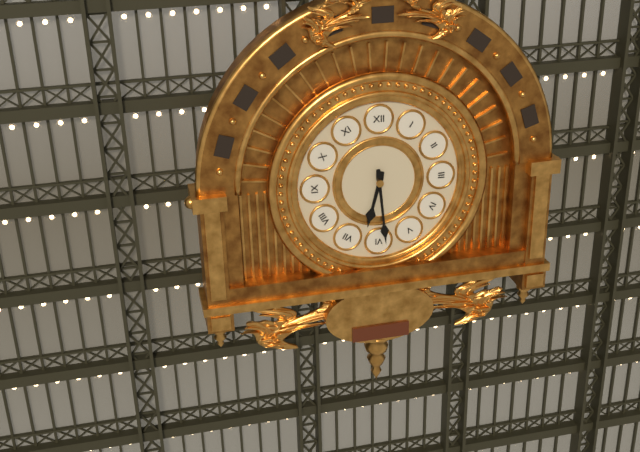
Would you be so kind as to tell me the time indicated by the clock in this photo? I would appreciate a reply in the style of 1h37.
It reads 6h29
